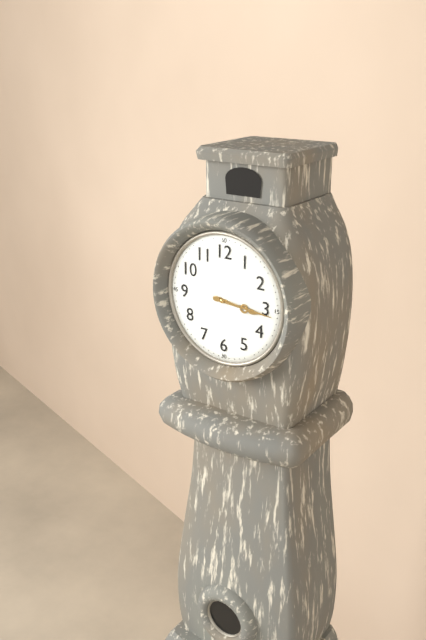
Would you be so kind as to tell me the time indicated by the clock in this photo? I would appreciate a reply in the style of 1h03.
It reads 3h16
